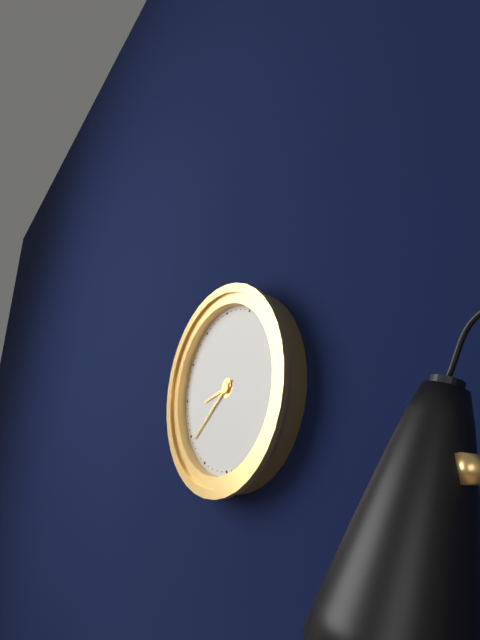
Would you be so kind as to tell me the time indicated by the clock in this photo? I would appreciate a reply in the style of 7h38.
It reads 8h39
